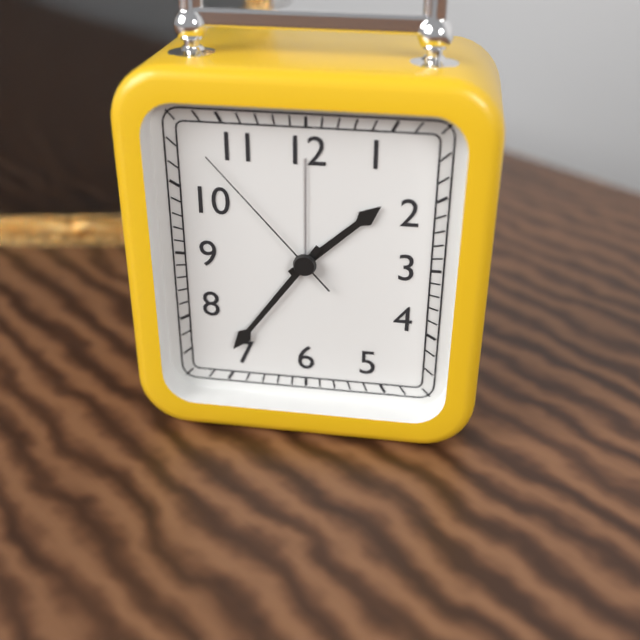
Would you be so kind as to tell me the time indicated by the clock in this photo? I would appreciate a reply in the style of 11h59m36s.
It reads 1h36m53s
